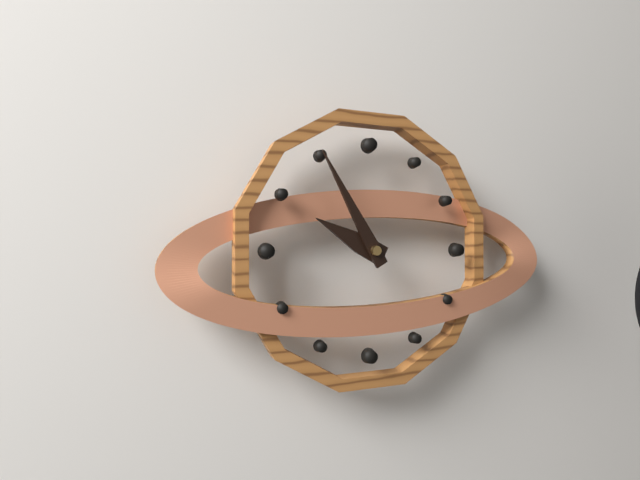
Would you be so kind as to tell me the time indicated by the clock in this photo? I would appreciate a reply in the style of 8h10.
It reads 9h55
